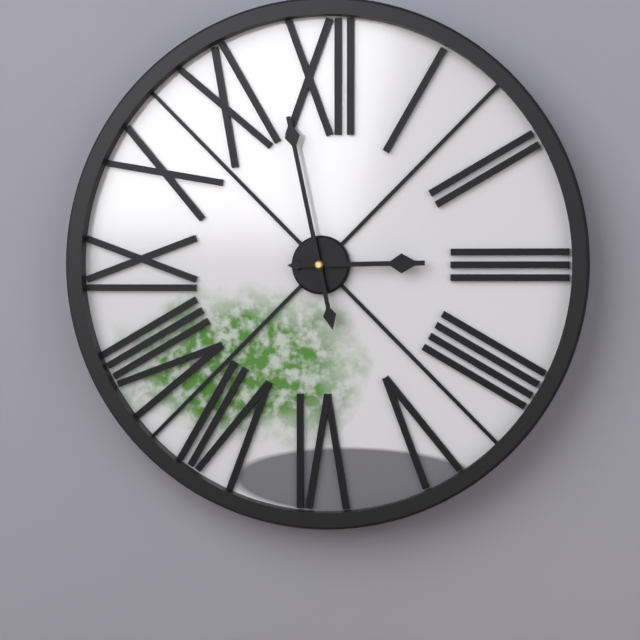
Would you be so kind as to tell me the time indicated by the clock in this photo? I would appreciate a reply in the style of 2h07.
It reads 2h58
